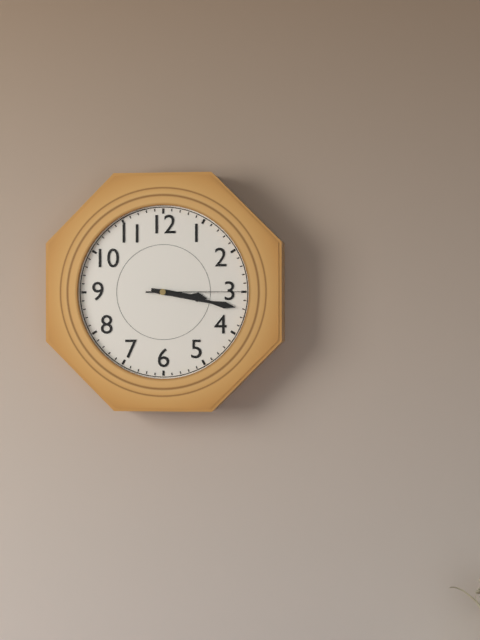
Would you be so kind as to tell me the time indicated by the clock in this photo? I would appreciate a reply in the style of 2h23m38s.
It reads 3h17m15s
